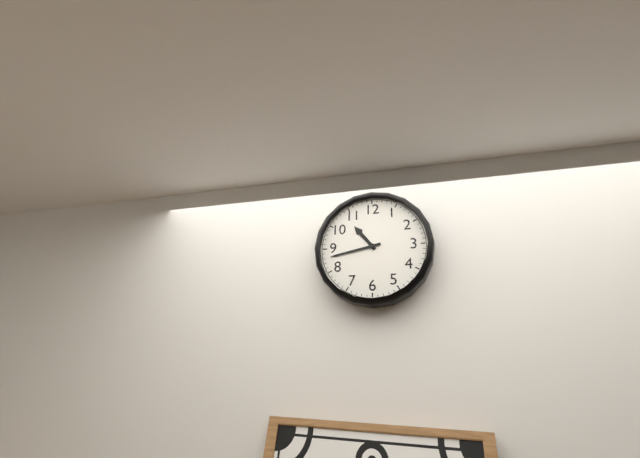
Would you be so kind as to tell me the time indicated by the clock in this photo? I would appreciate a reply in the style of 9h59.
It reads 10h43
